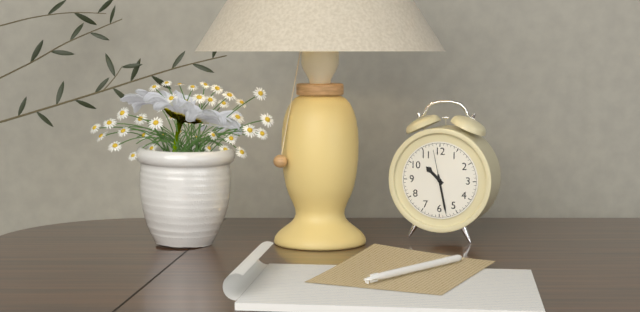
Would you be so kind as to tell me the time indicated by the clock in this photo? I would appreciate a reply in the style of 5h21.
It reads 10h28
